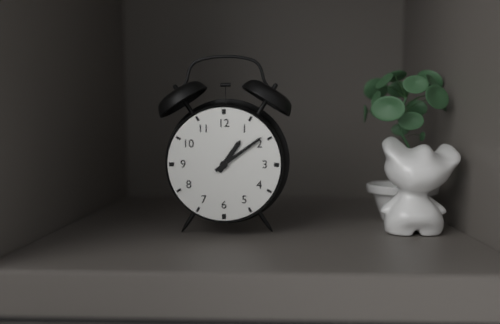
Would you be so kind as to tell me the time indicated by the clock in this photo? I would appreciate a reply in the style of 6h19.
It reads 1h09
